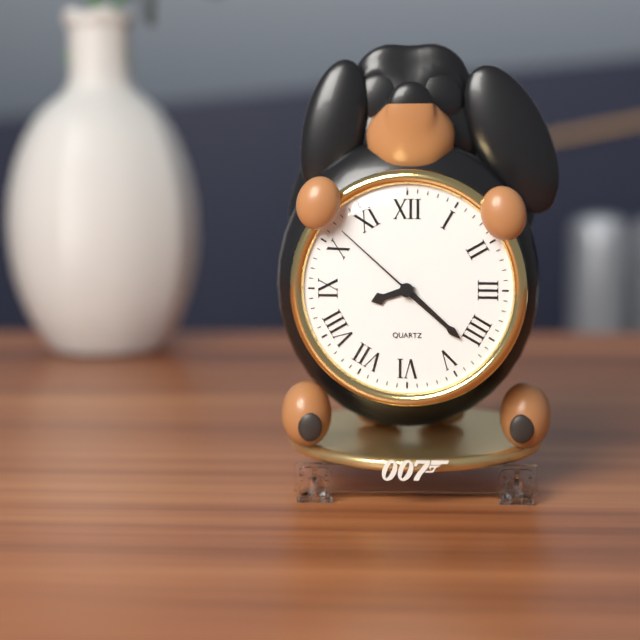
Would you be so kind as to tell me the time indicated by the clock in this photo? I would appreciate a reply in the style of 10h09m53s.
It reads 8h22m52s
